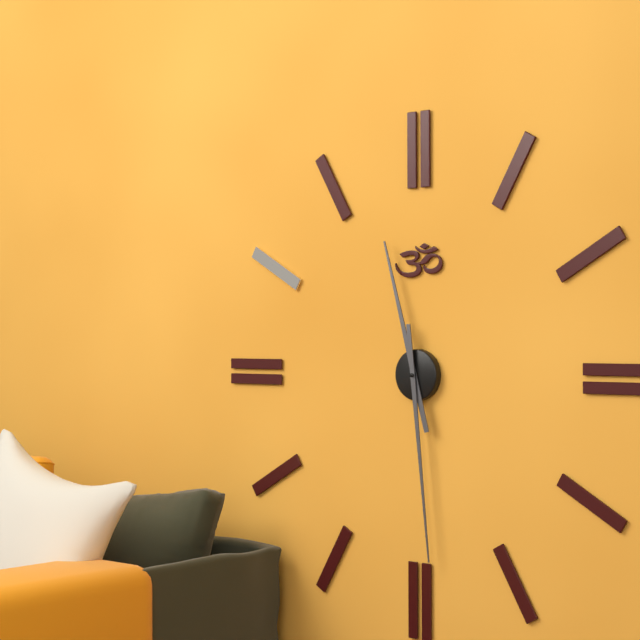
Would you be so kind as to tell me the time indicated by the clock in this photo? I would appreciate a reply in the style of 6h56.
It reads 11h29
